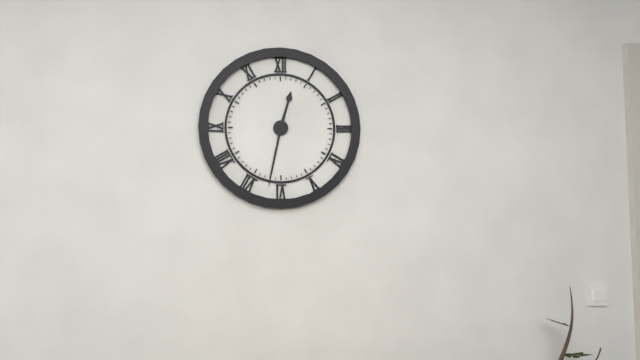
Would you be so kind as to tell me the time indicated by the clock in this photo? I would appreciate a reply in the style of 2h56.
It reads 12h32
